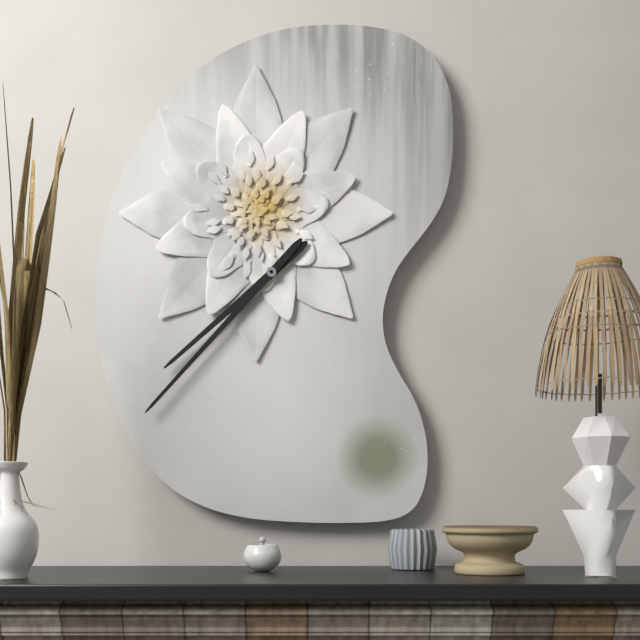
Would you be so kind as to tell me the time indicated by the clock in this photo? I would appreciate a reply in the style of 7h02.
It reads 7h37
